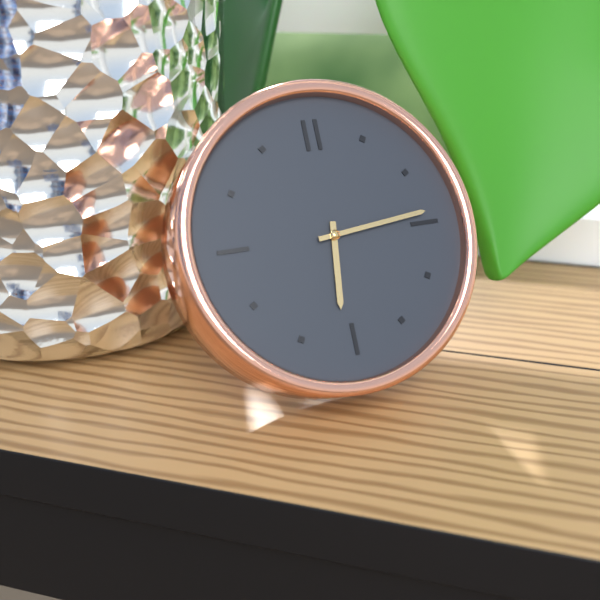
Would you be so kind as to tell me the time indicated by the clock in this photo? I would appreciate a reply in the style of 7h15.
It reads 6h14
